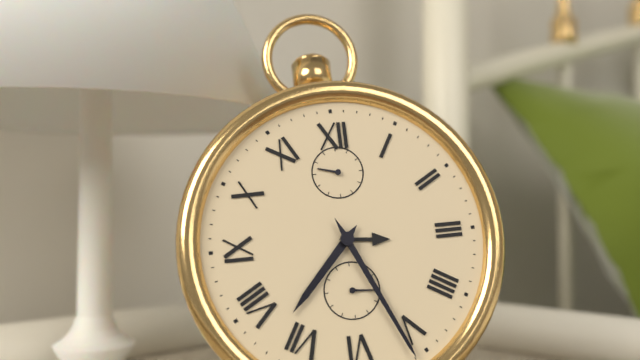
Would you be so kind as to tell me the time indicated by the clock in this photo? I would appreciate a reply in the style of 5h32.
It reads 7h26
